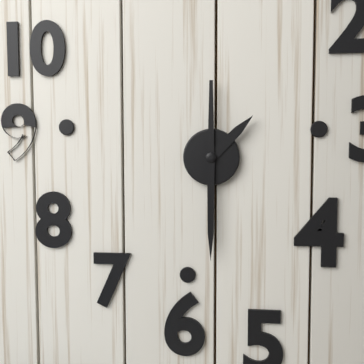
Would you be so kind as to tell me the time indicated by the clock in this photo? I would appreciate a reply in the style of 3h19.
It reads 1h30
